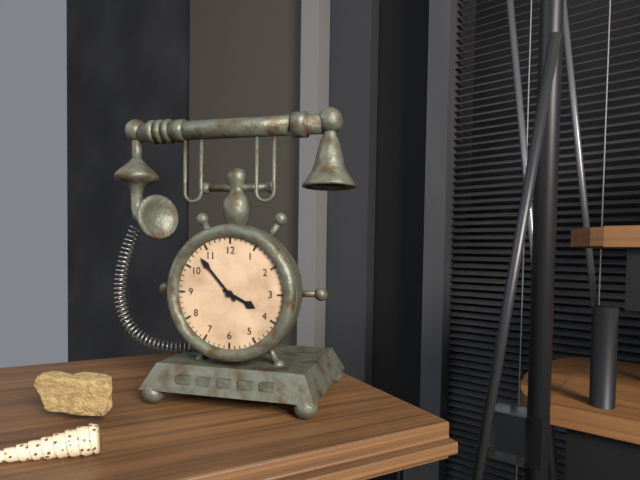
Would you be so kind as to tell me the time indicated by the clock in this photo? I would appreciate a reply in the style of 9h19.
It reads 3h53
